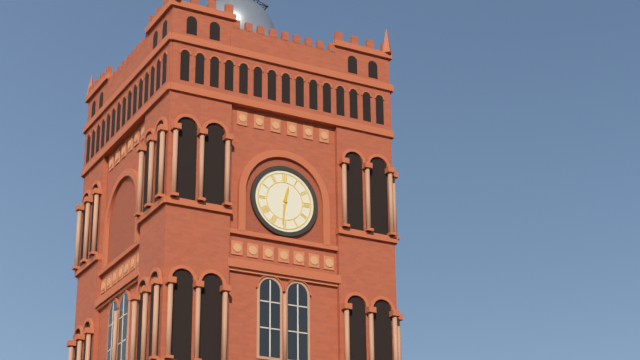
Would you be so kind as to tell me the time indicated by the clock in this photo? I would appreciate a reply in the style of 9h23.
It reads 12h31
